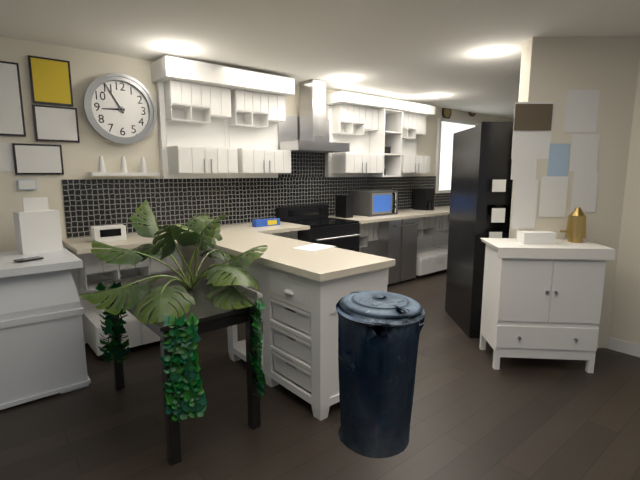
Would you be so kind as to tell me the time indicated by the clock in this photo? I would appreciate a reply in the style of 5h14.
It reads 8h55
